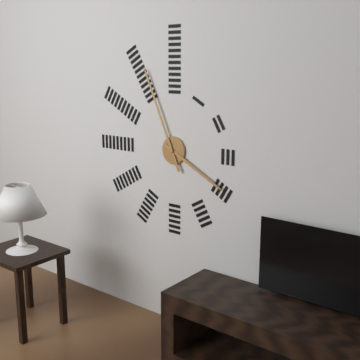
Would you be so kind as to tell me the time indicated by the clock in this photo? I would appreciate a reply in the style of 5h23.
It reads 3h56
